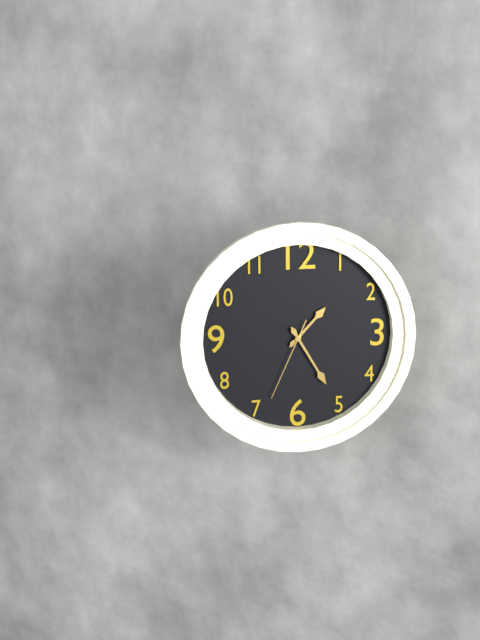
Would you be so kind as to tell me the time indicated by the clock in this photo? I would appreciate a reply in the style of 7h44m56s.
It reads 1h25m34s
